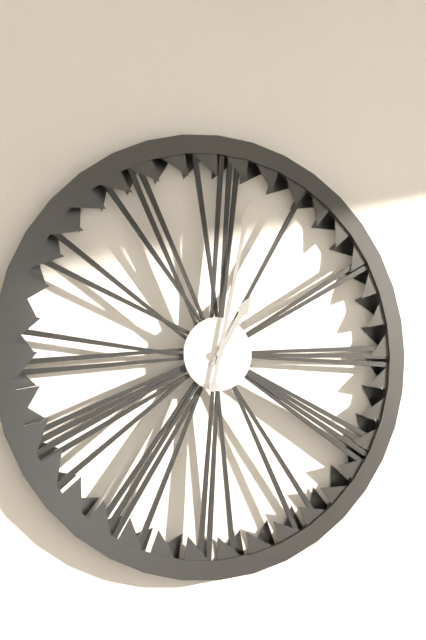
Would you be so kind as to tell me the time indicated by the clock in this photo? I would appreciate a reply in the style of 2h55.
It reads 1h02
